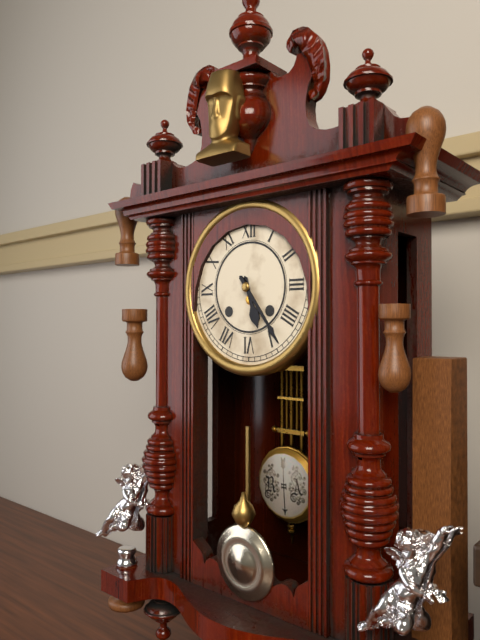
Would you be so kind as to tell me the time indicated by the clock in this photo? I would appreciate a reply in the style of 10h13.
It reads 5h24
